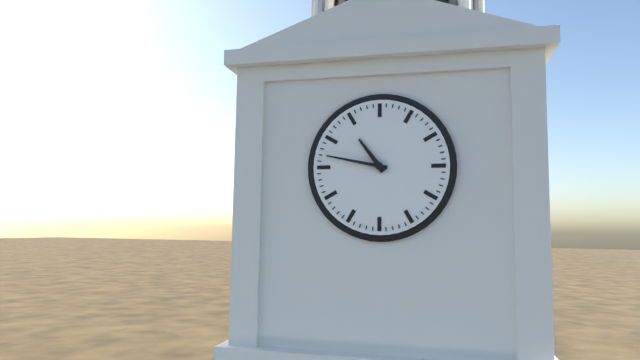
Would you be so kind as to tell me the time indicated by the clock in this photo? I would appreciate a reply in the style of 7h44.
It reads 10h47
